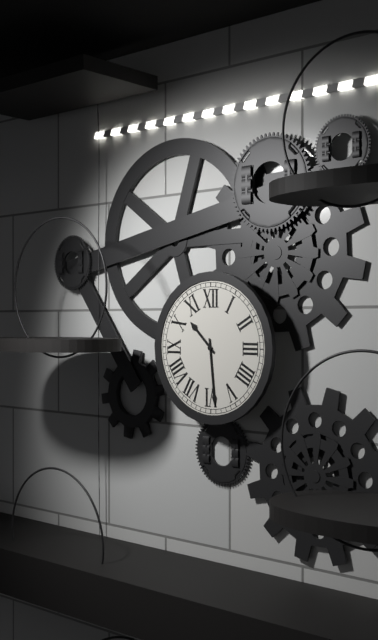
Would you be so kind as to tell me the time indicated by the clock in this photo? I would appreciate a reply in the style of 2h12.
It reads 10h29
